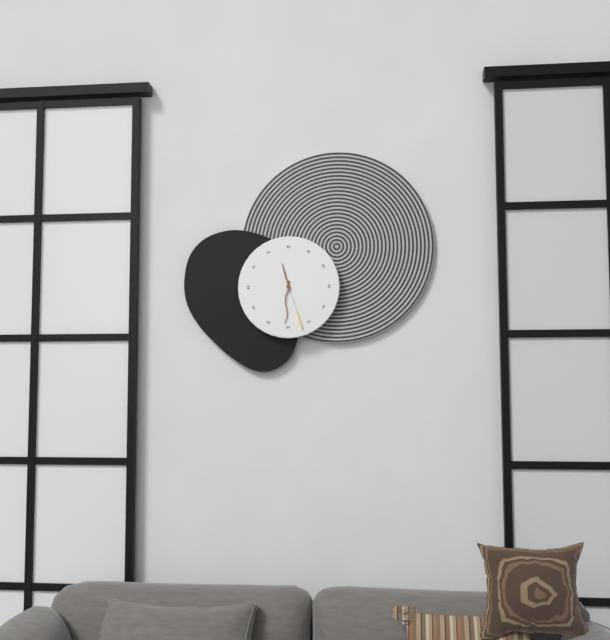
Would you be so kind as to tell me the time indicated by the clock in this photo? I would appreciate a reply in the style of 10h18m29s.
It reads 11h31m27s
